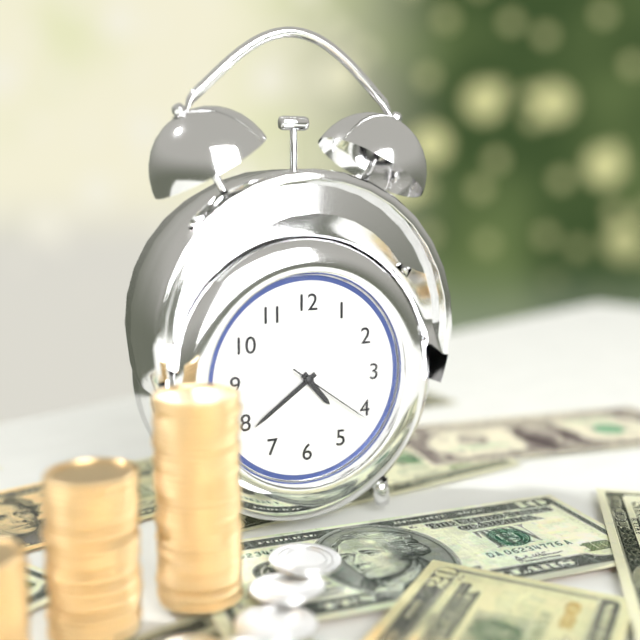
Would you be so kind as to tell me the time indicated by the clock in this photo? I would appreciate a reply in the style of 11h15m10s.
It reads 4h39m21s
